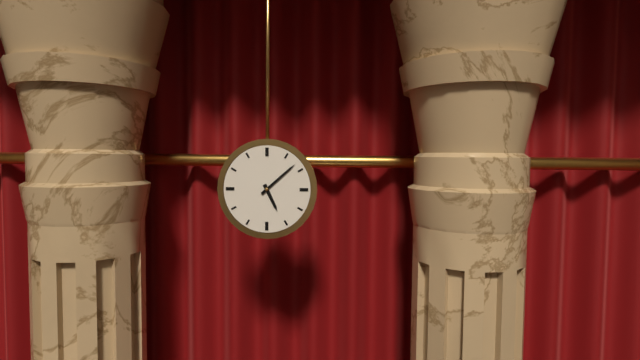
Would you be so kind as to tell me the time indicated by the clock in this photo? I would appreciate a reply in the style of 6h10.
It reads 5h08
